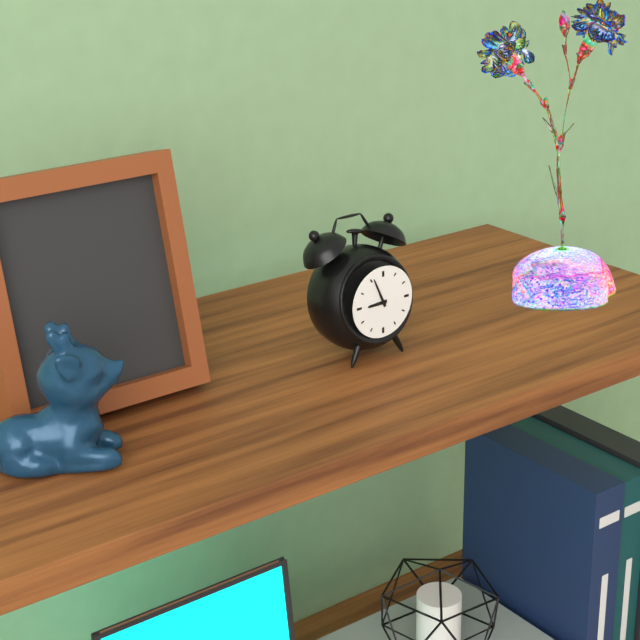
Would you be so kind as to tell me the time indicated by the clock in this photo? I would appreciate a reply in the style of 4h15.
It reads 8h56
